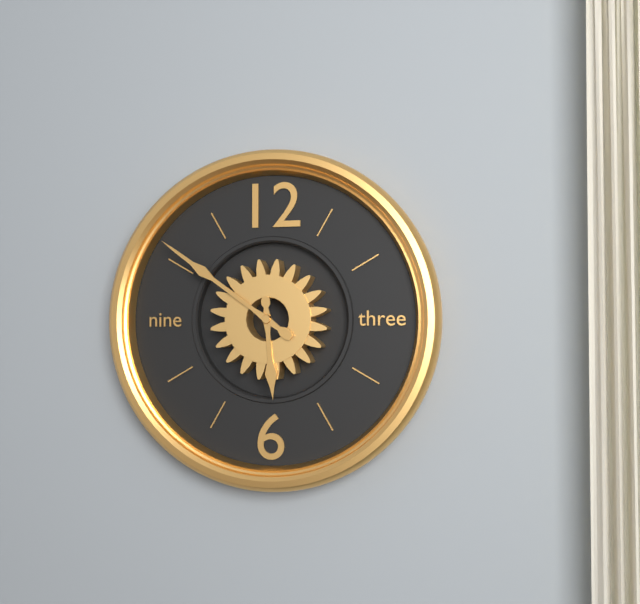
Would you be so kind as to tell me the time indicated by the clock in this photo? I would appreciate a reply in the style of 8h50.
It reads 5h51
